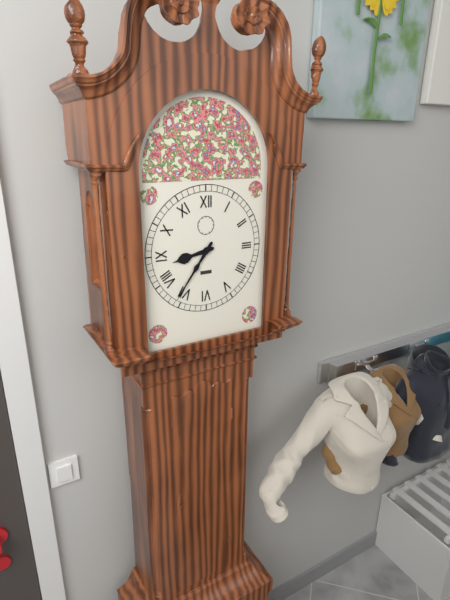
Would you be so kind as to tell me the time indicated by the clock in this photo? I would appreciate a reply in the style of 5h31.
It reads 8h36
